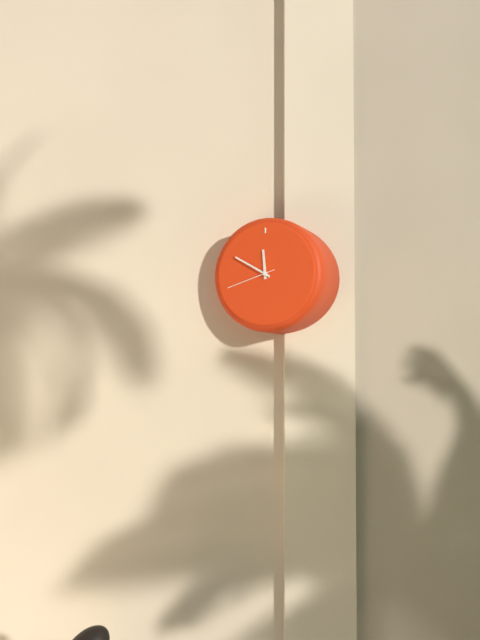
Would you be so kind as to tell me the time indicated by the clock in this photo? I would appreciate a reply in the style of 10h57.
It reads 11h50
